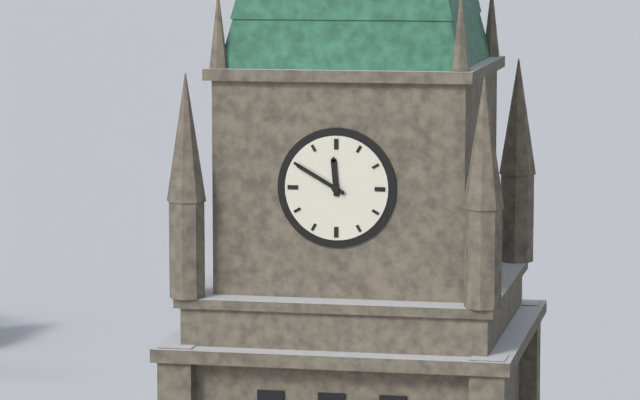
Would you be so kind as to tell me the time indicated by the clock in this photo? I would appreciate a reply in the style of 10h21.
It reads 11h50
